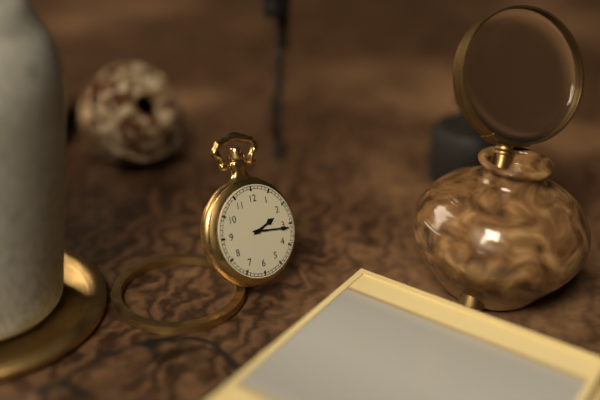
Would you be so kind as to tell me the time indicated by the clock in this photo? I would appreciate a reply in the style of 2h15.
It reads 2h16
